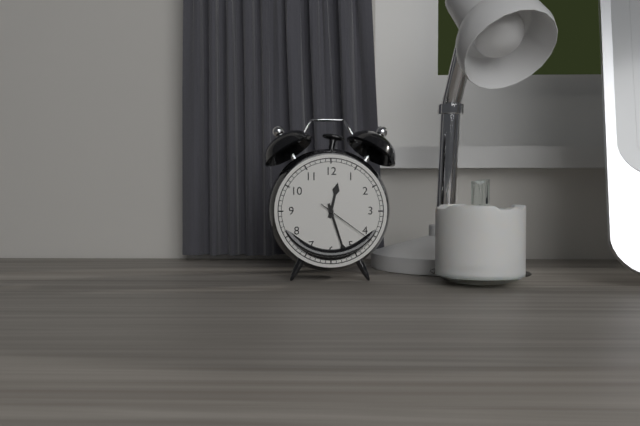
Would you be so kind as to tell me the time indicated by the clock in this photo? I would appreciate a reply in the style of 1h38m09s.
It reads 12h27m21s
